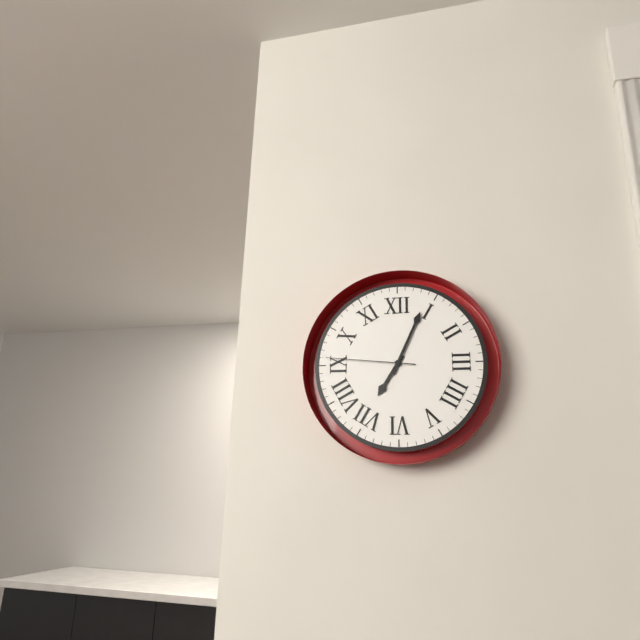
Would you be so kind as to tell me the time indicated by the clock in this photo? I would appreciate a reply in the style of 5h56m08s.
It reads 7h04m46s
